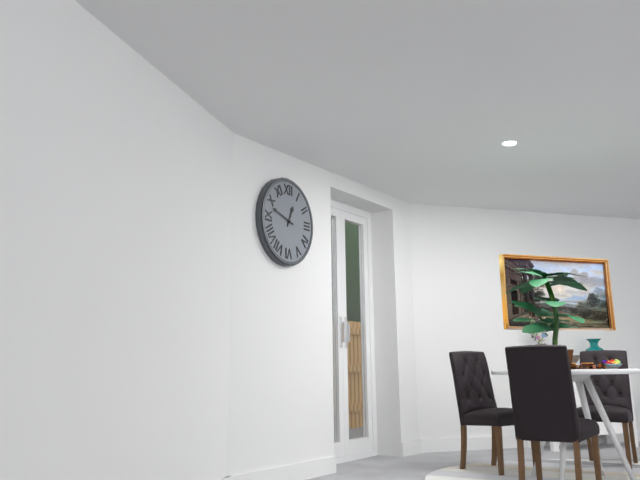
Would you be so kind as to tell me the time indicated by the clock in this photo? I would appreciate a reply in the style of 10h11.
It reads 12h48
